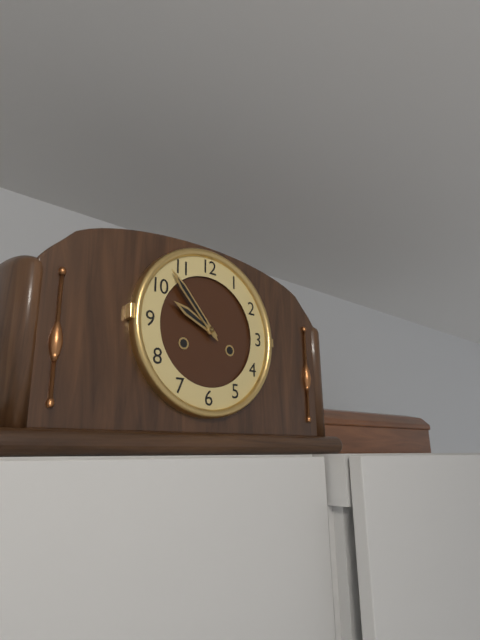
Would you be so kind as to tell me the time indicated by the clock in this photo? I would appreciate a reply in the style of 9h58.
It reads 9h53
